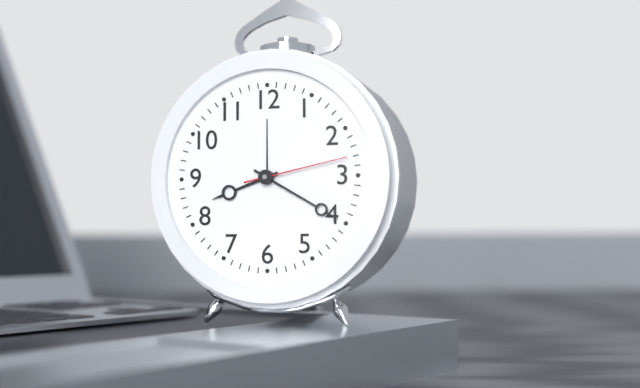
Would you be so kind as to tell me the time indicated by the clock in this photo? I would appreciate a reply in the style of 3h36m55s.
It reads 8h20m13s
